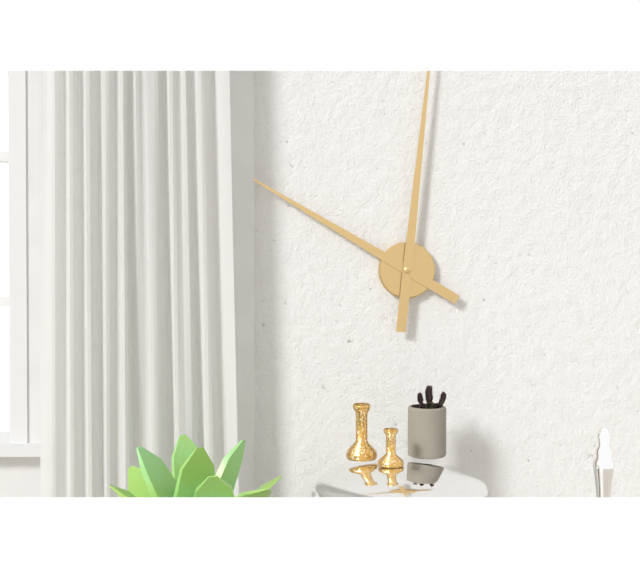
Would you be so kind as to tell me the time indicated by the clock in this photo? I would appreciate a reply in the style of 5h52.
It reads 10h01
